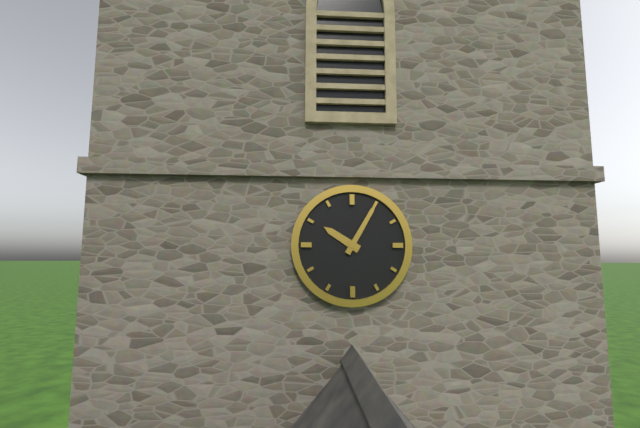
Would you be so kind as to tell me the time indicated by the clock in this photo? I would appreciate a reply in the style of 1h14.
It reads 10h05
